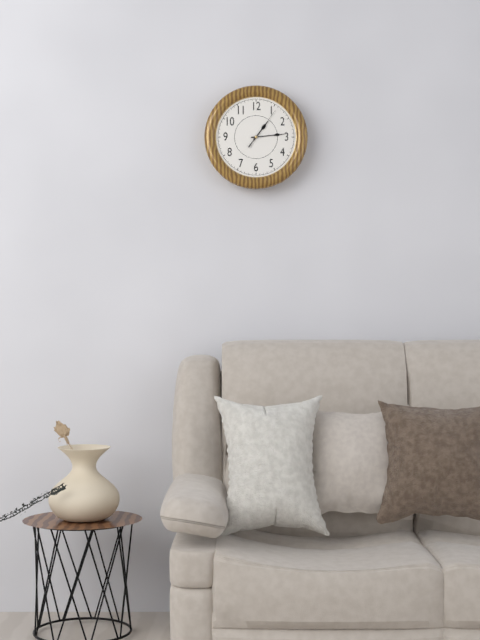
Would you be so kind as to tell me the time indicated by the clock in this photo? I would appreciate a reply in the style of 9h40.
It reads 1h14
